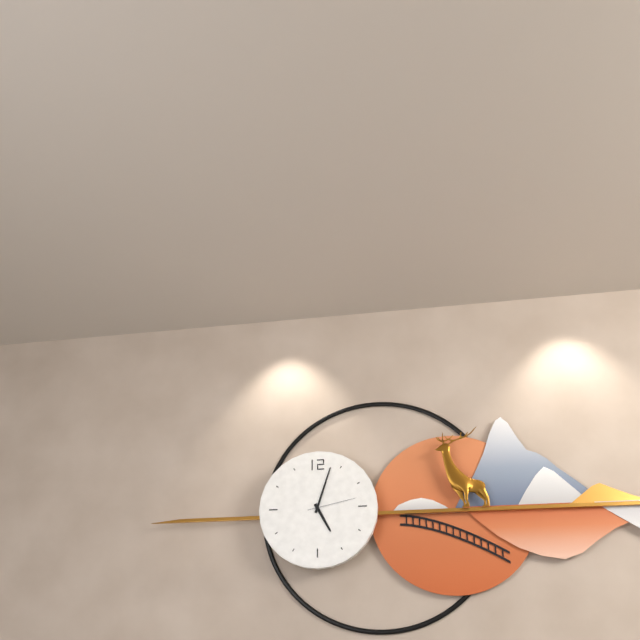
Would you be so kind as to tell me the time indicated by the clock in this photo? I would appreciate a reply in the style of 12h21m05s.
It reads 5h03m13s
